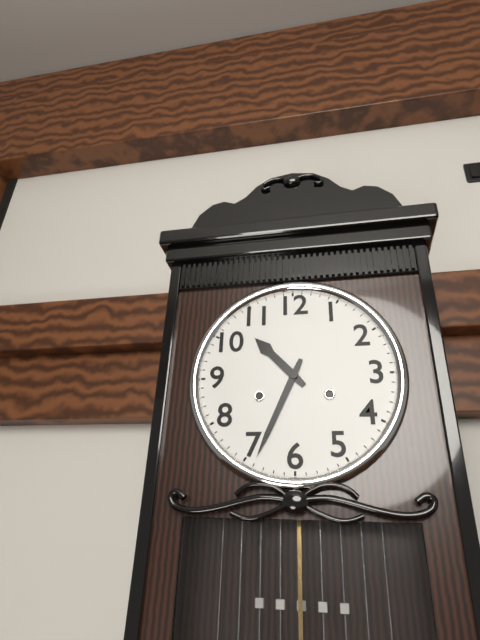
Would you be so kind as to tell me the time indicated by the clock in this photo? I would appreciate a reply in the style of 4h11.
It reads 10h34
